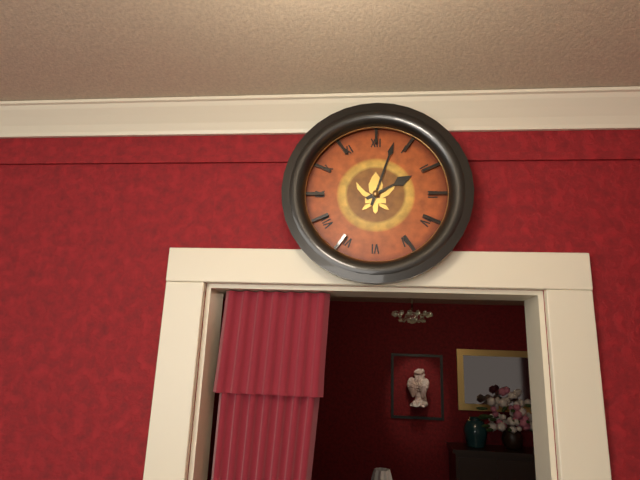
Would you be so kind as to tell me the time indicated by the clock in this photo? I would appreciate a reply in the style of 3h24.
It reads 2h03
